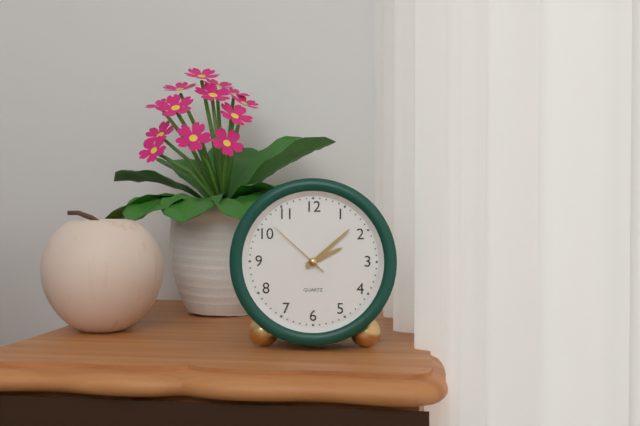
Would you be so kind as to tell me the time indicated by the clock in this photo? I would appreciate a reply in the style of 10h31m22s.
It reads 2h08m52s
